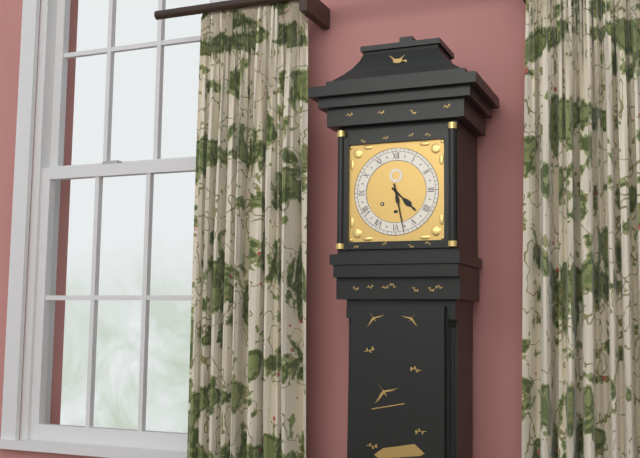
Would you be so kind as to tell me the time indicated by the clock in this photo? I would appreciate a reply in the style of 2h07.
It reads 4h28
